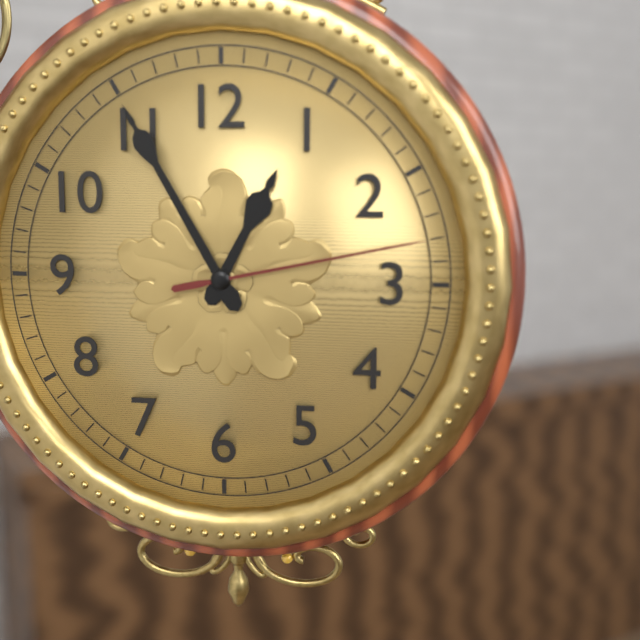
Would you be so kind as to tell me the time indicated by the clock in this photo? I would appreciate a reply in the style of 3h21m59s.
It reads 12h55m13s
